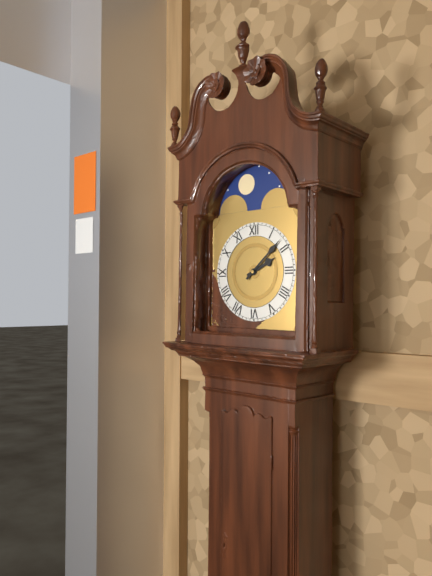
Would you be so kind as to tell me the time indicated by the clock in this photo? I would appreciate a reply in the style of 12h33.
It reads 2h08
